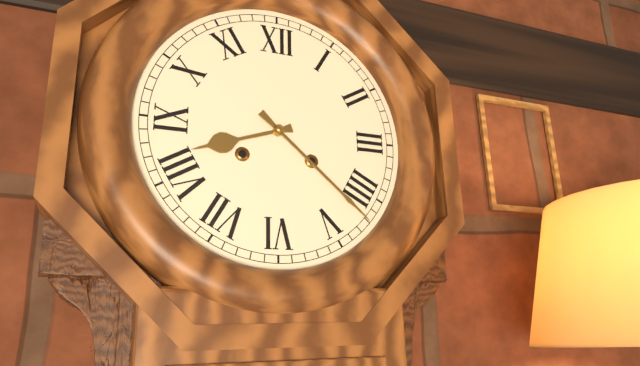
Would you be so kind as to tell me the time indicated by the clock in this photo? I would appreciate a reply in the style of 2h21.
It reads 8h22
